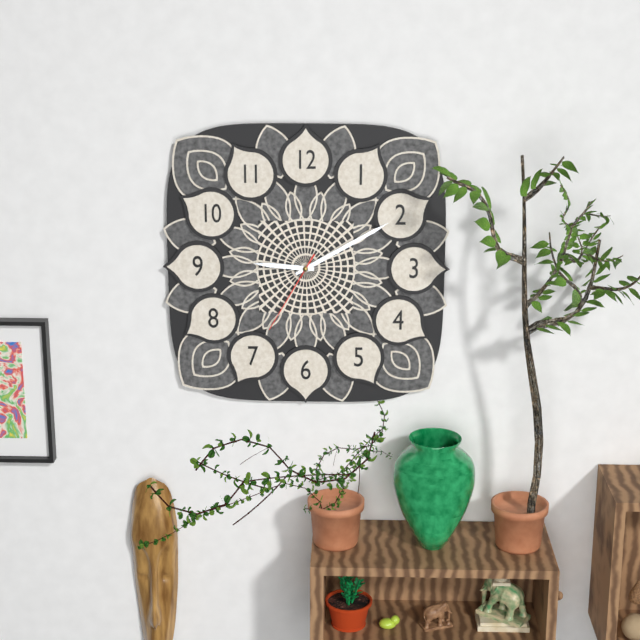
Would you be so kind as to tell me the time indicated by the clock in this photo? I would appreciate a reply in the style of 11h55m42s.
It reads 9h10m35s
